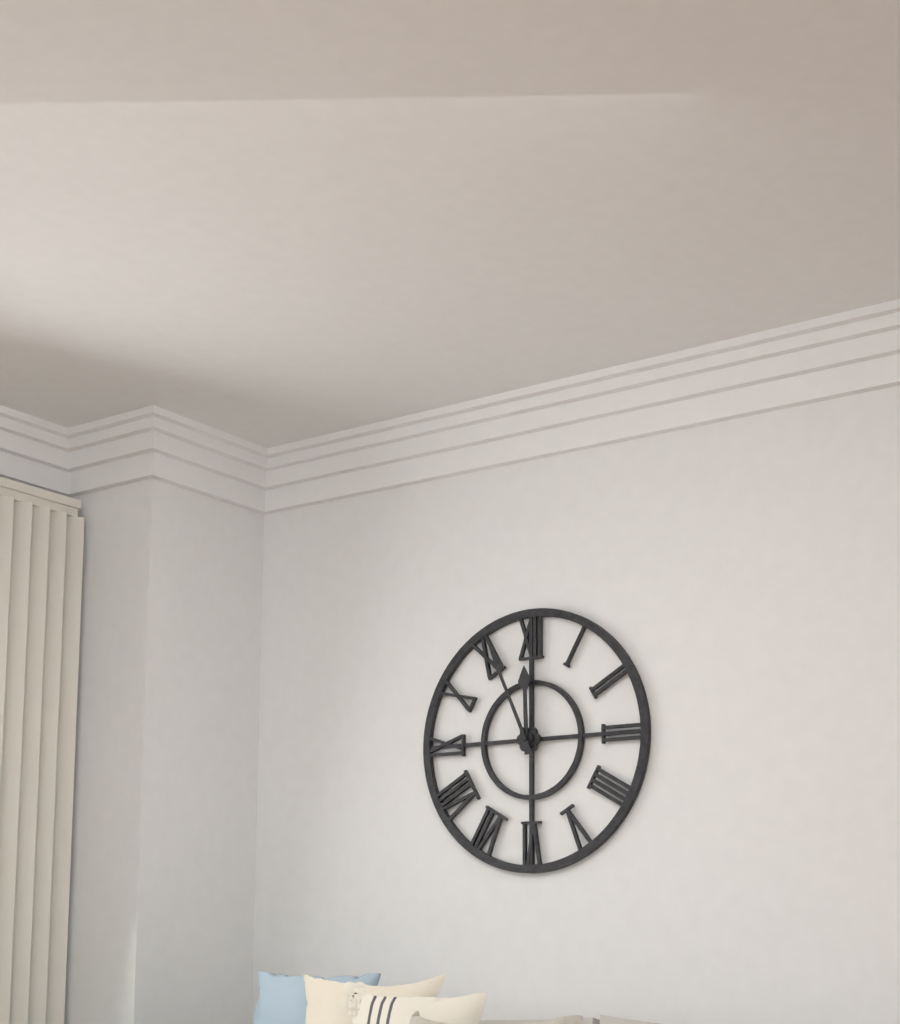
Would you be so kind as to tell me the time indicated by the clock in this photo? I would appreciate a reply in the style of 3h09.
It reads 11h56
